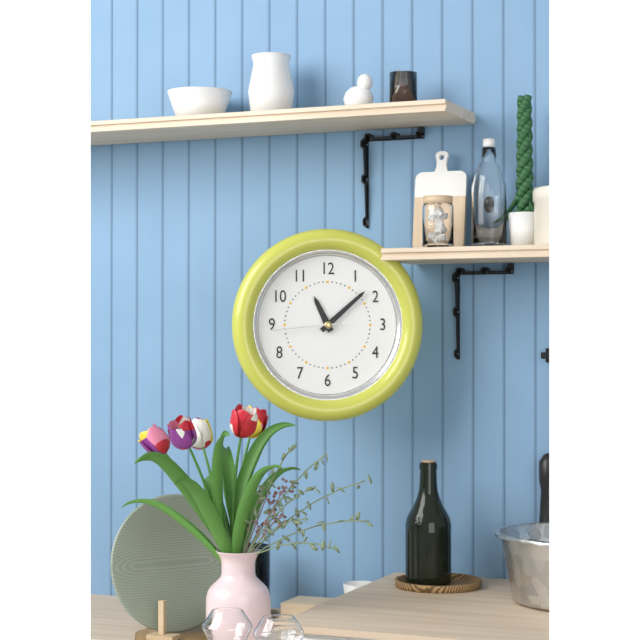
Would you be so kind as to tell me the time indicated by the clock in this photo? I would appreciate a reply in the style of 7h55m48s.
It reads 11h08m44s
